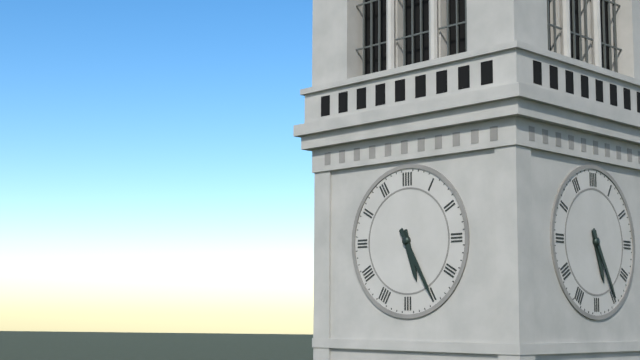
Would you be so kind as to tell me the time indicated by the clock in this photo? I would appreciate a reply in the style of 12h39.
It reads 5h25
